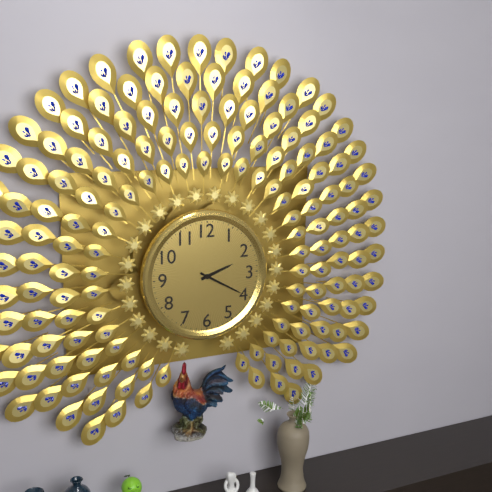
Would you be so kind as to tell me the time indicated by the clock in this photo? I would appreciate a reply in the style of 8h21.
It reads 2h20
